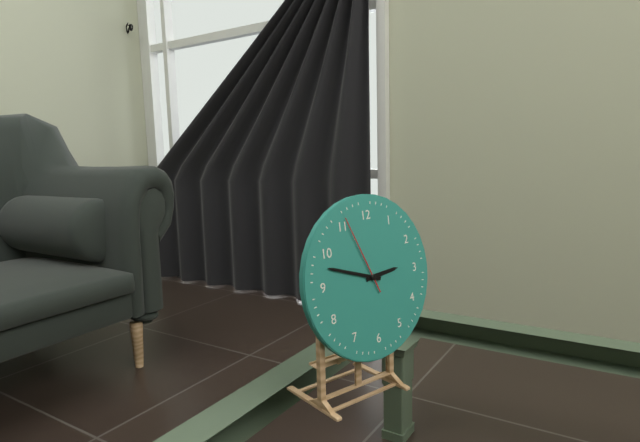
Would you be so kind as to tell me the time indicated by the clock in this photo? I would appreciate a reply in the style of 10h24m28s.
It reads 2h48m56s
